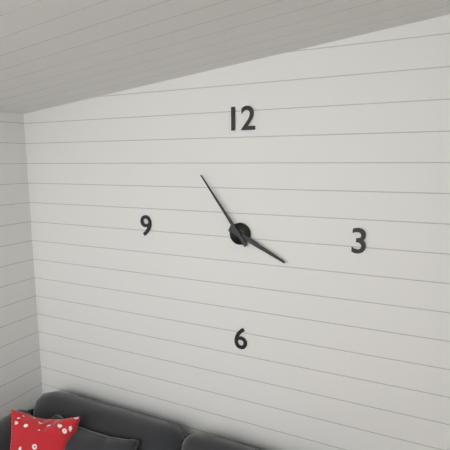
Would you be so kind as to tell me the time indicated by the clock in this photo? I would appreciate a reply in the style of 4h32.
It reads 3h54
